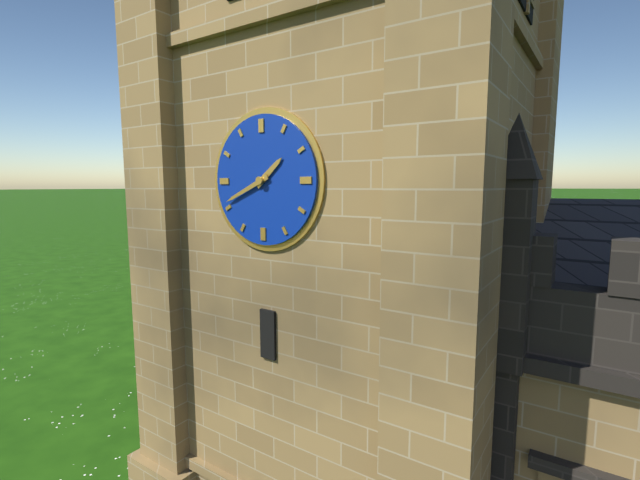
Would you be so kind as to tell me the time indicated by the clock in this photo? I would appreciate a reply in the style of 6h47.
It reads 1h41
